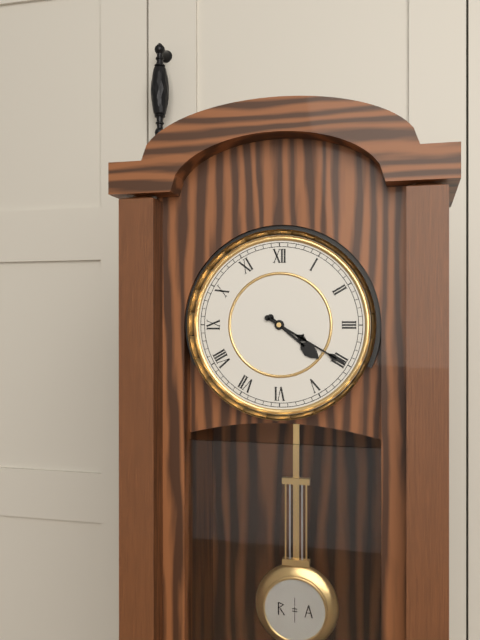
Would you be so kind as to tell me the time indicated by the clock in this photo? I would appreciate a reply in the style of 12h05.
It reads 4h20
